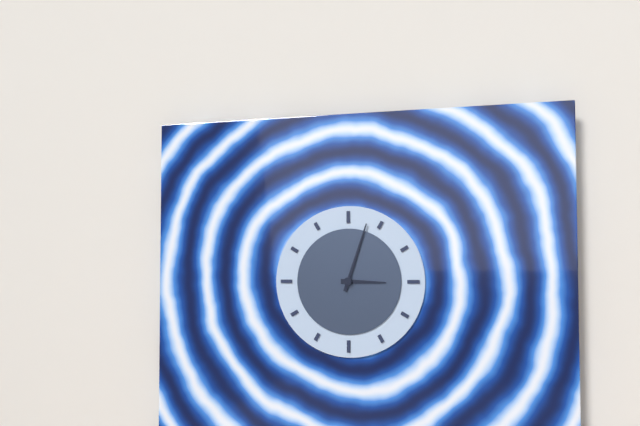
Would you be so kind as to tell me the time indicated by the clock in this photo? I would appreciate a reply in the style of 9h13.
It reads 3h03
